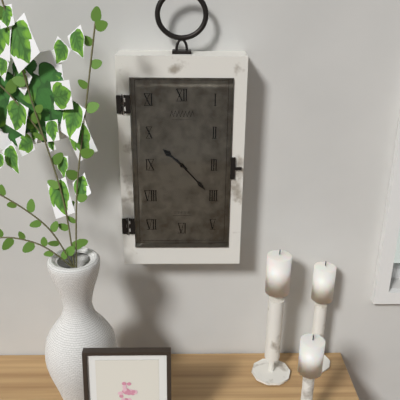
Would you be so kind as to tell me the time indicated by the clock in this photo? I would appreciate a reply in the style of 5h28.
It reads 10h23
